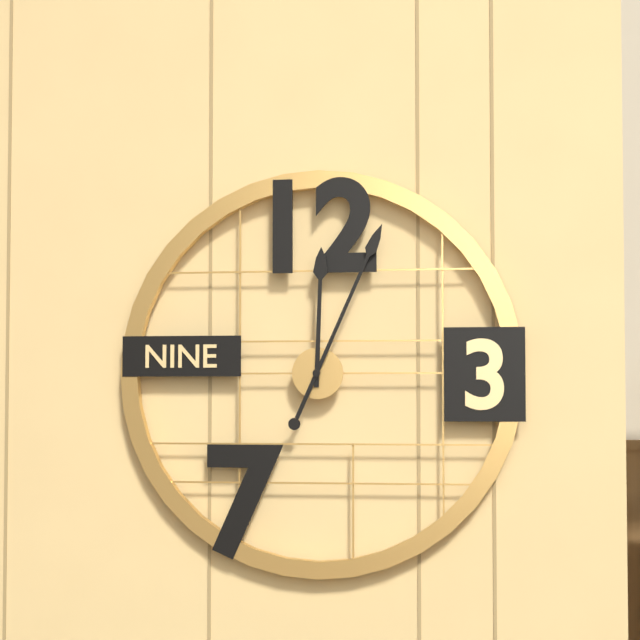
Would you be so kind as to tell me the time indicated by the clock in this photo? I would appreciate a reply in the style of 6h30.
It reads 12h04
